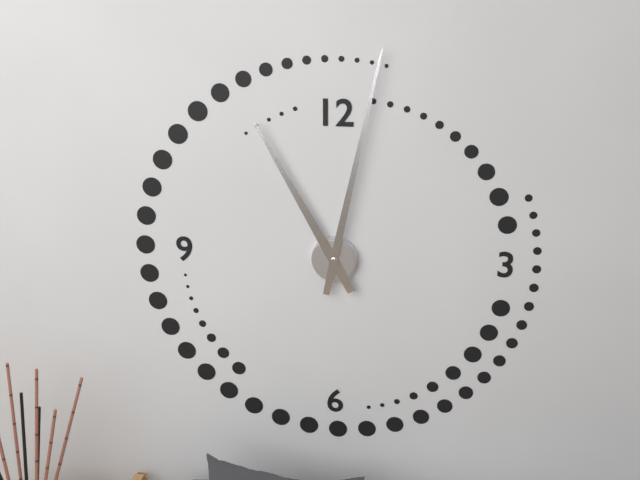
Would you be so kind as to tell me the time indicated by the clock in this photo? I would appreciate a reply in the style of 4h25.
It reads 11h02
